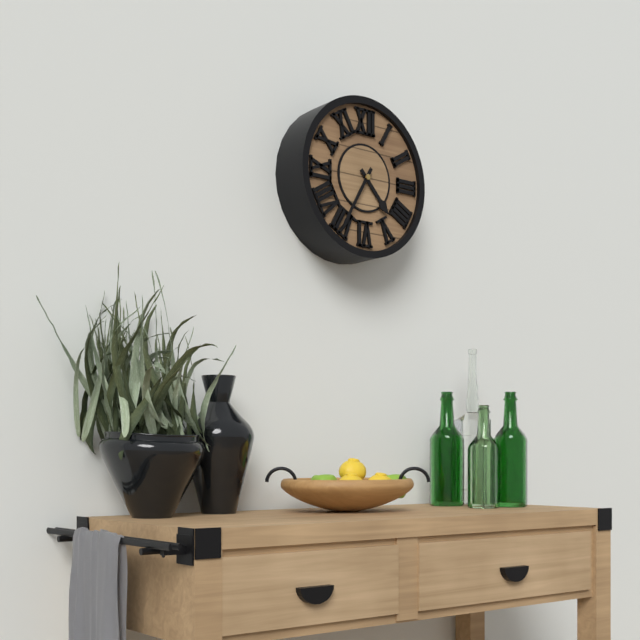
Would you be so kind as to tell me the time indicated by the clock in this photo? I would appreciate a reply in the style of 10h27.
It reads 4h35
